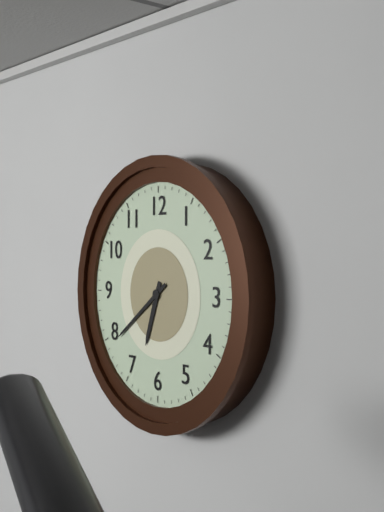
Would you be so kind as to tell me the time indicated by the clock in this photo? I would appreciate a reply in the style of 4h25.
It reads 6h39
